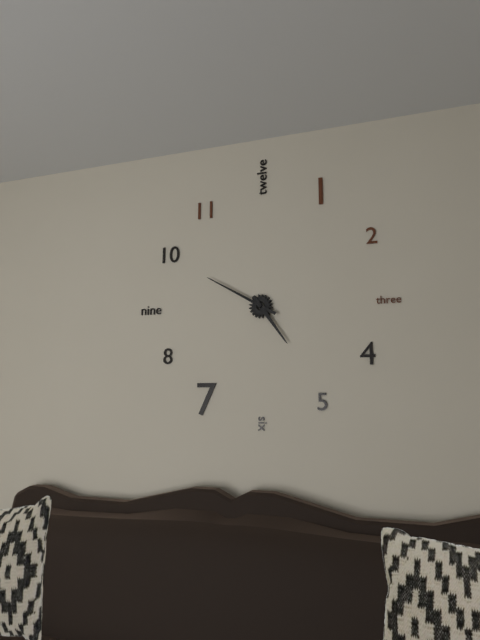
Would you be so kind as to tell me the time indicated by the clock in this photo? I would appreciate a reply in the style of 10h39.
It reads 4h50
